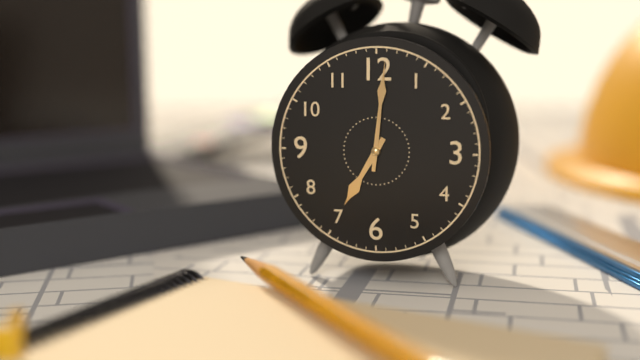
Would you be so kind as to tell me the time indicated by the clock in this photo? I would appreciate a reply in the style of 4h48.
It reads 7h01
